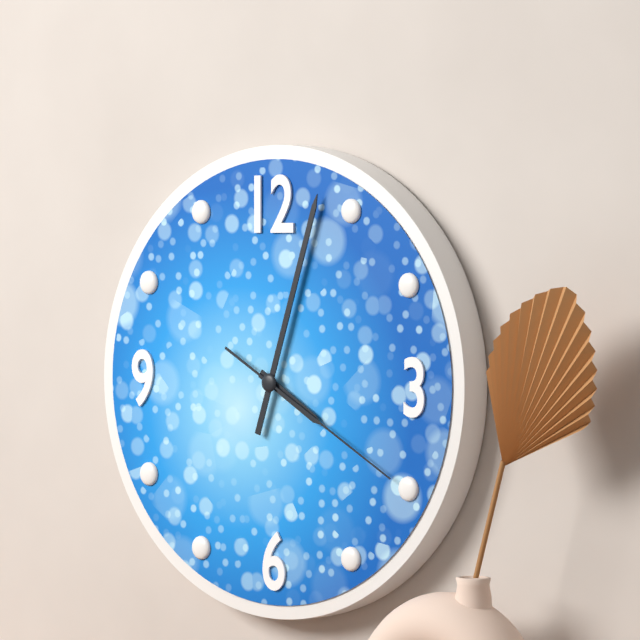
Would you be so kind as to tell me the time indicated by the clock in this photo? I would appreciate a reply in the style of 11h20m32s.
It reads 4h03m20s
